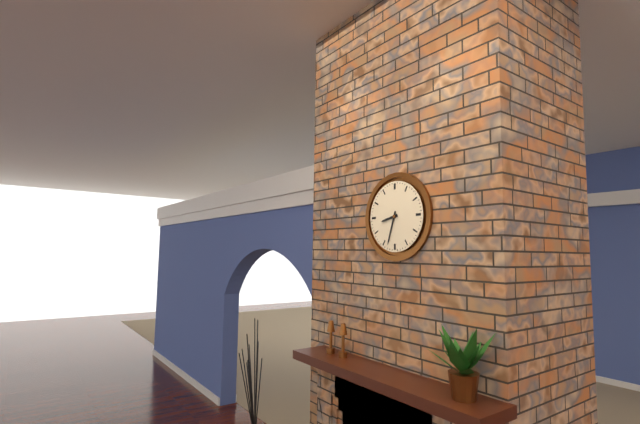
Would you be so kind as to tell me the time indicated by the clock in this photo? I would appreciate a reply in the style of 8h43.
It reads 8h33
